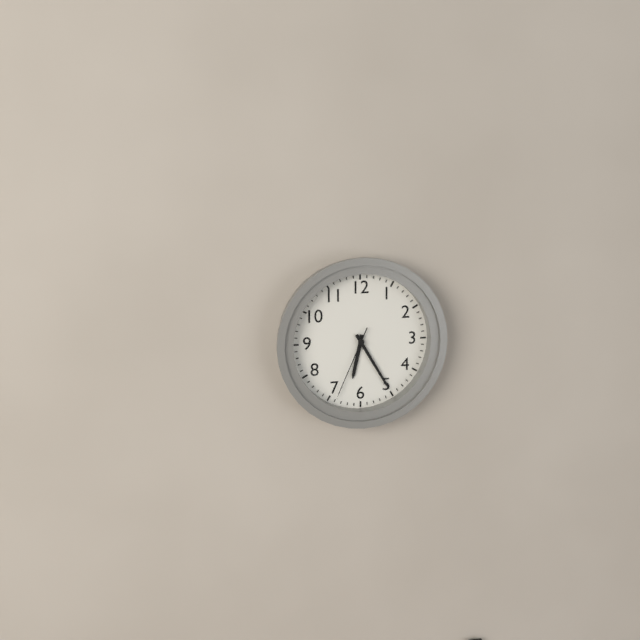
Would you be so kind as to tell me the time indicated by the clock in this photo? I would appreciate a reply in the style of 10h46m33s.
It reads 6h25m34s
